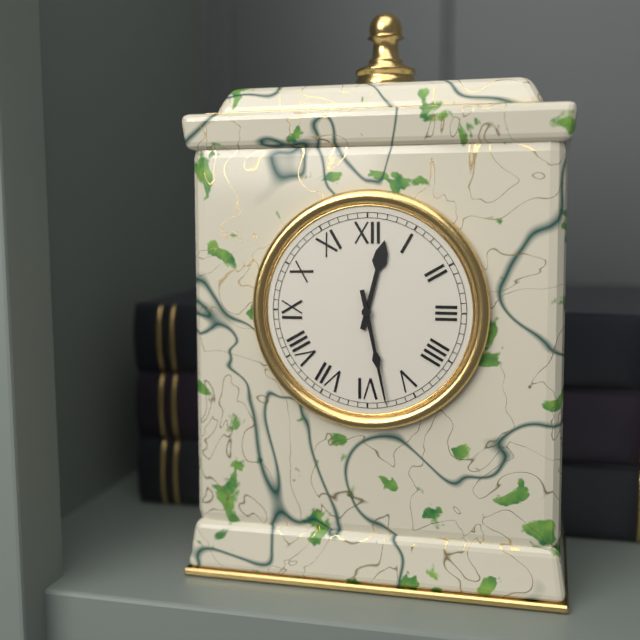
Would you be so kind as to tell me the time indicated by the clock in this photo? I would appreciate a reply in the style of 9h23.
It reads 12h28
